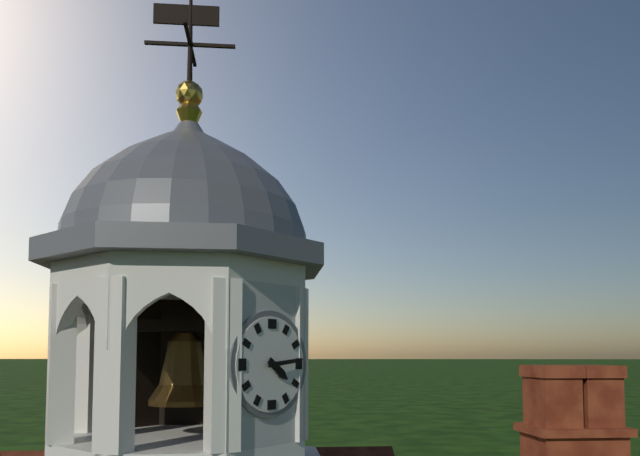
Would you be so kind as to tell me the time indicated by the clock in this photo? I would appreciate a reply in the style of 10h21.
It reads 4h14
